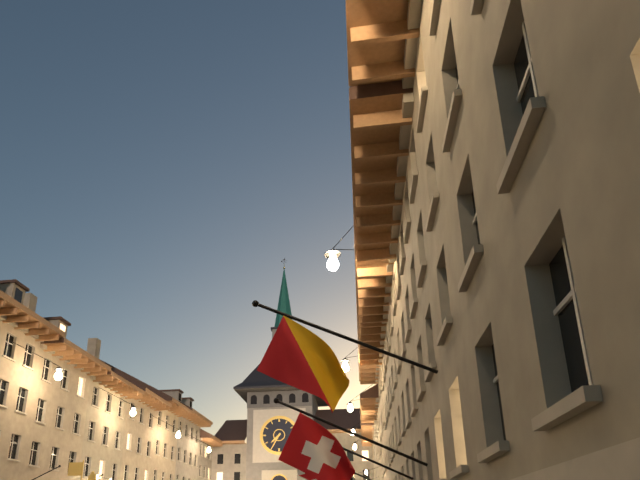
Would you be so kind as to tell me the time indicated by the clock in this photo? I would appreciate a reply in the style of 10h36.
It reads 7h35
